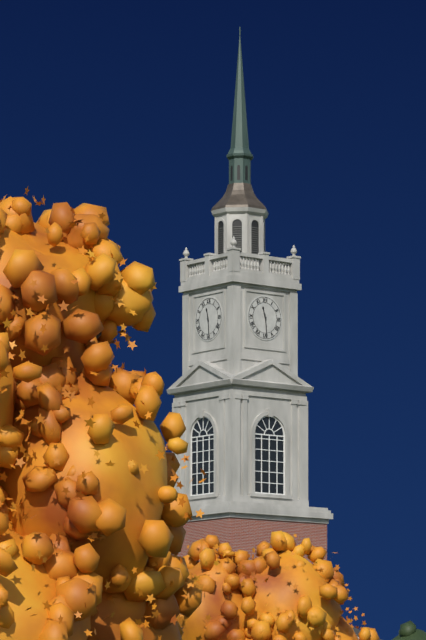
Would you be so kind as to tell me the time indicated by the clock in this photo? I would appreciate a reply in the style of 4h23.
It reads 11h29
